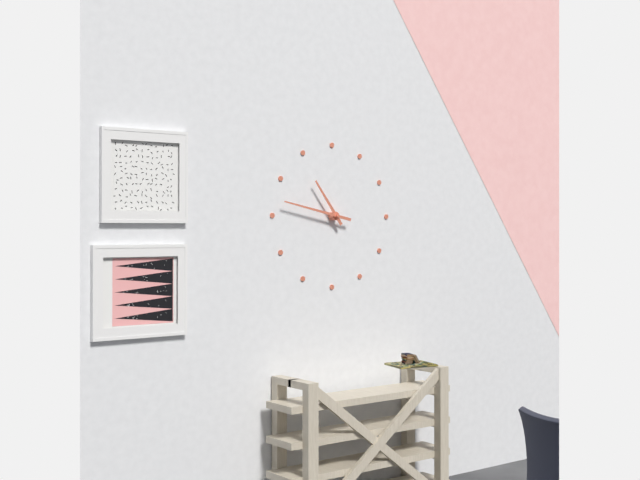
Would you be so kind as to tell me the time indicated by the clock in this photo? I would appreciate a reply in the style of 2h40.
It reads 10h47
